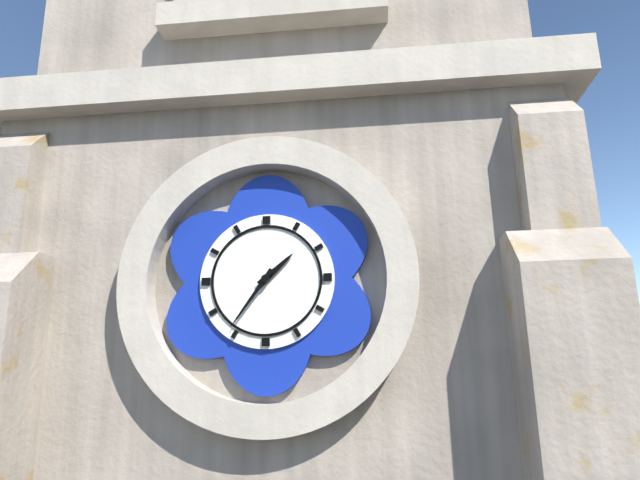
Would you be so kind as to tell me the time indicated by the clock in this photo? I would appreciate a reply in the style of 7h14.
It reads 1h36
